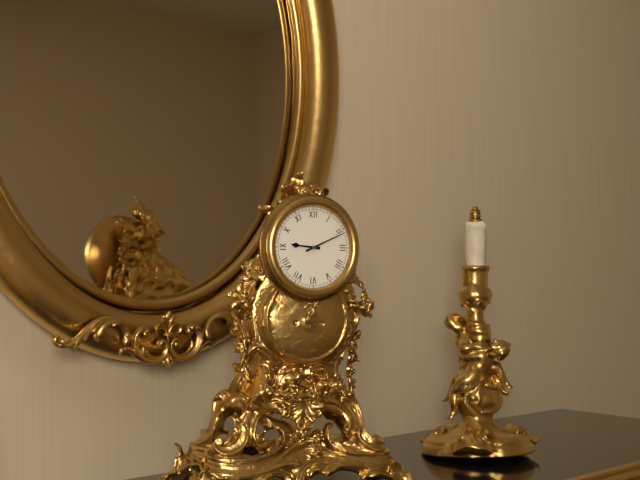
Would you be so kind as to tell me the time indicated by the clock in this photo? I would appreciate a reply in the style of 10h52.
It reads 9h11
